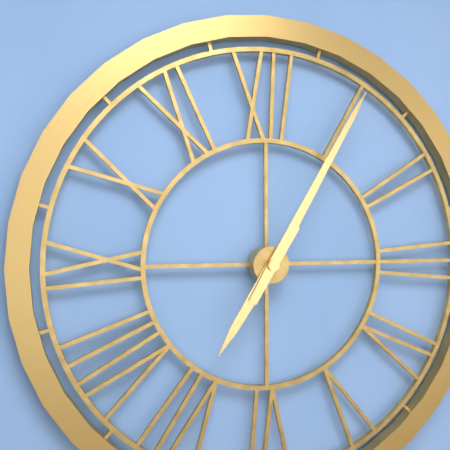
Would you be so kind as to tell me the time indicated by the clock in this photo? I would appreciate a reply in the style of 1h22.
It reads 7h05
